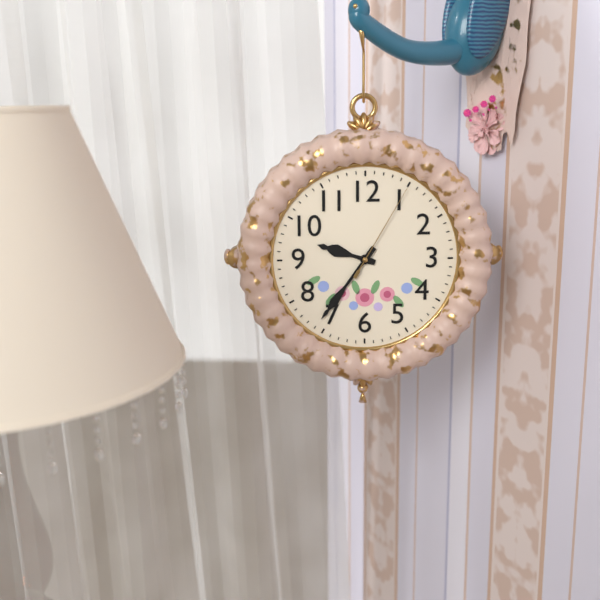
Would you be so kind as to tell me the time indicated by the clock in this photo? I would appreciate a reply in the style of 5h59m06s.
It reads 9h36m05s
